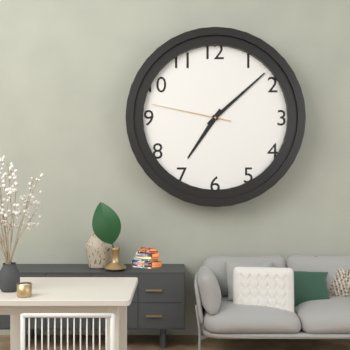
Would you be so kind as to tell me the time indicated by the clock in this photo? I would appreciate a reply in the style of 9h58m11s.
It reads 7h08m47s
